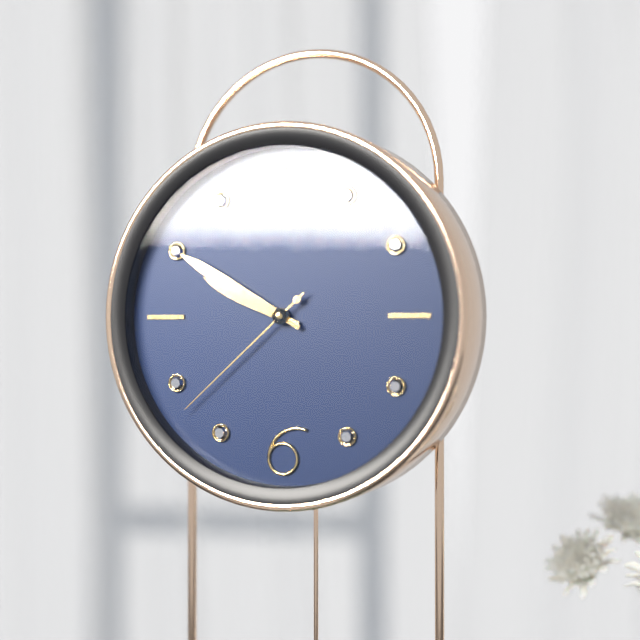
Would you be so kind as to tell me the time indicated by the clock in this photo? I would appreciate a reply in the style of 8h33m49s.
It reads 9h50m38s
